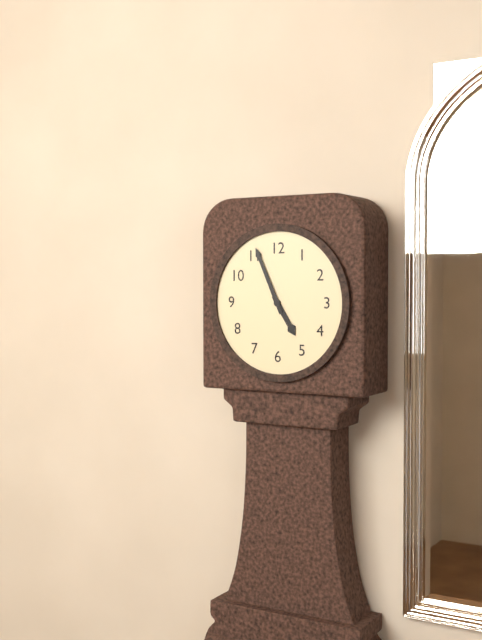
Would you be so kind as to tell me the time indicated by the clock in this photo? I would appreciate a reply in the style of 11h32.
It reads 4h56
